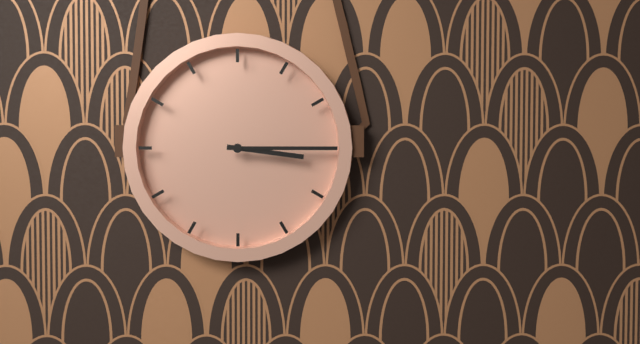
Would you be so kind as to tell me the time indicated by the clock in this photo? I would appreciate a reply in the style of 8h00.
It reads 3h15
